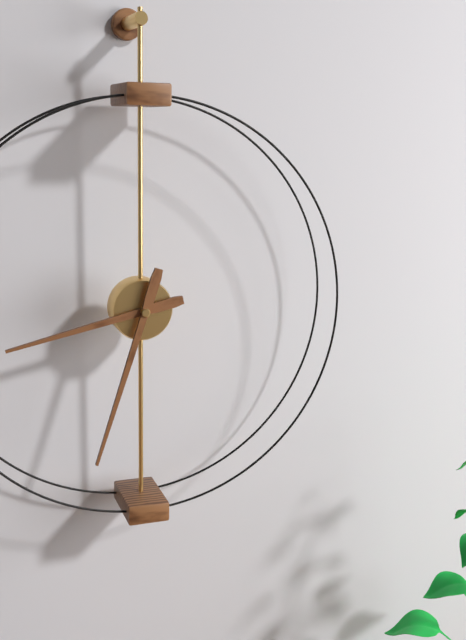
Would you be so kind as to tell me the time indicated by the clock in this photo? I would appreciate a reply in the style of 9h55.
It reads 8h33
